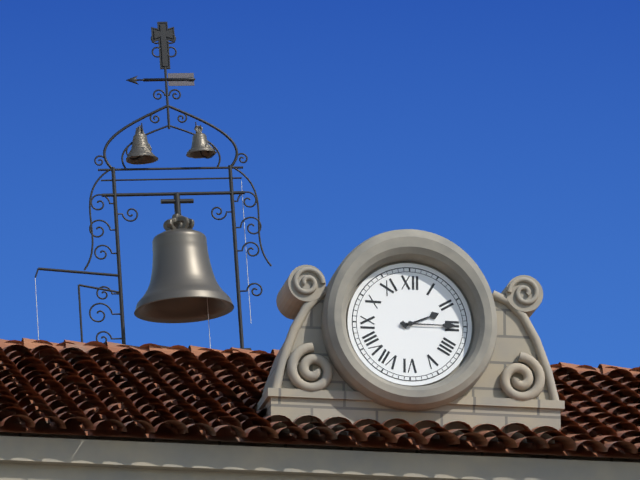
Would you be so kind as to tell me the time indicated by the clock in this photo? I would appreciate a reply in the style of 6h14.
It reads 2h15
